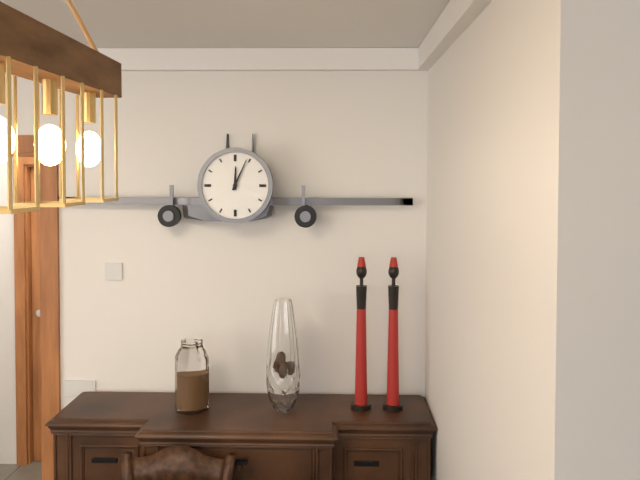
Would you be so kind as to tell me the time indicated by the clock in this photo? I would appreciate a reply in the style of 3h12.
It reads 12h04
